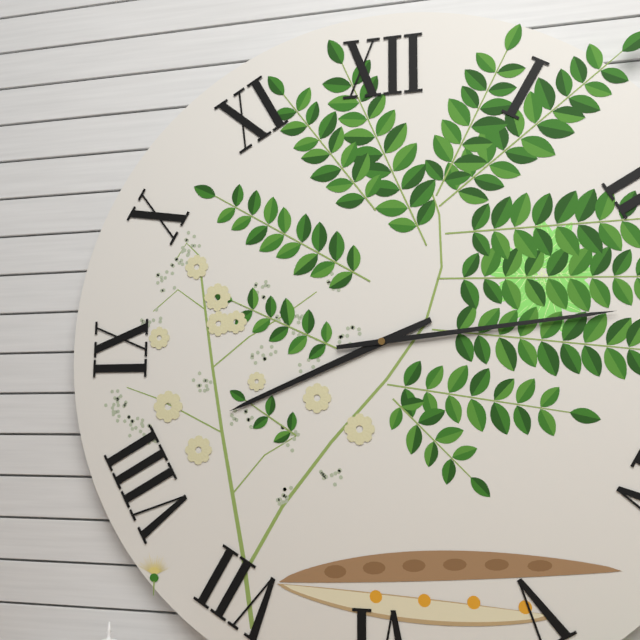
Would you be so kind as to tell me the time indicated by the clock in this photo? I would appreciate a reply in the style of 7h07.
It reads 8h14
